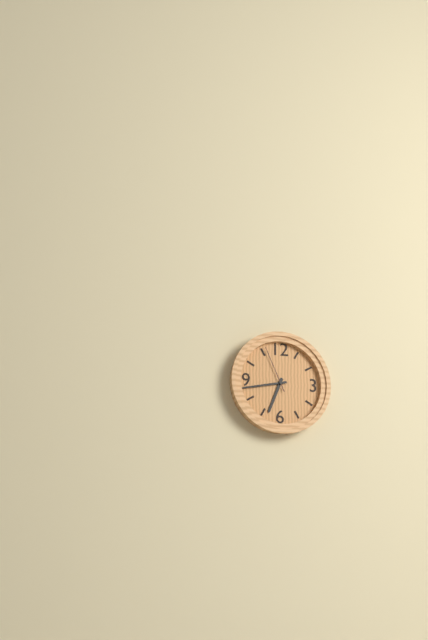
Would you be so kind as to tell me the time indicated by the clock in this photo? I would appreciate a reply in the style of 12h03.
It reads 6h43
